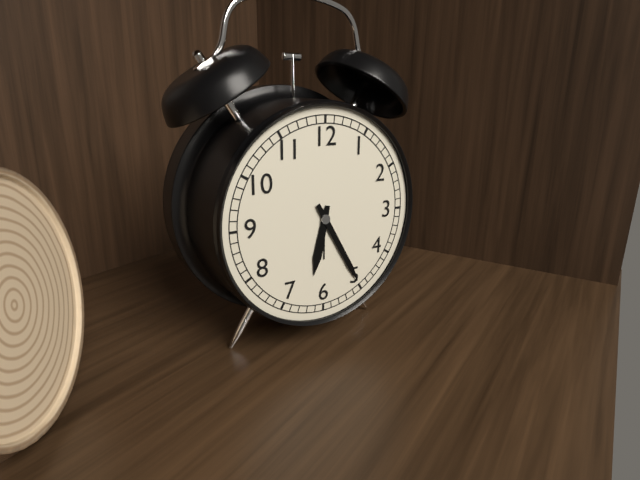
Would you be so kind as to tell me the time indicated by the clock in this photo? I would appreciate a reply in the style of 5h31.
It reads 6h25
